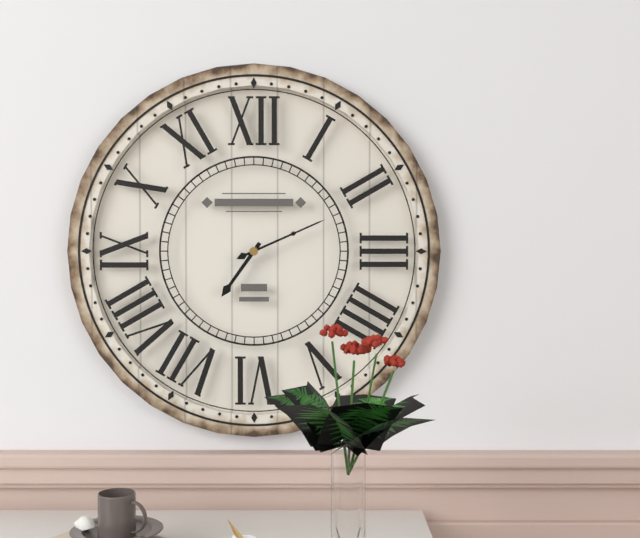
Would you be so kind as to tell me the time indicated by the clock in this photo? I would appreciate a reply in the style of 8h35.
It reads 7h11
